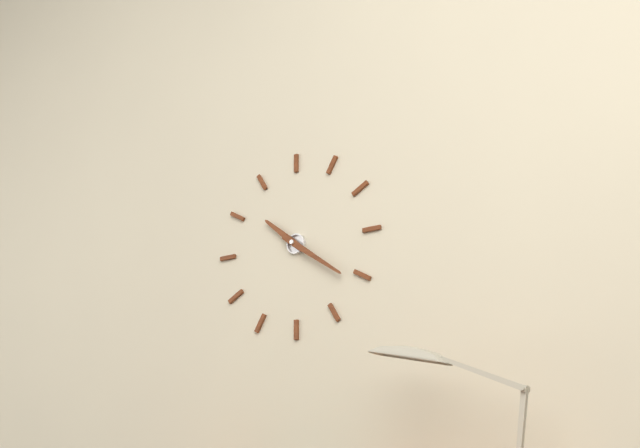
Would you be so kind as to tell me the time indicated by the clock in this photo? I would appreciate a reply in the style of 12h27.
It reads 10h21
